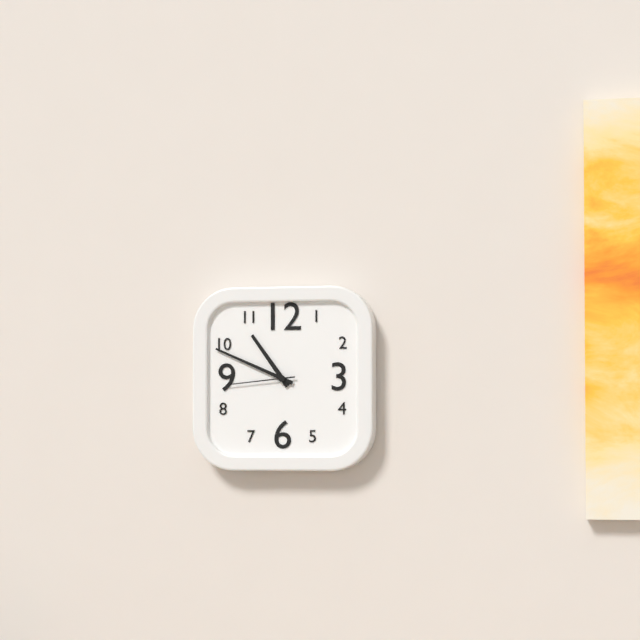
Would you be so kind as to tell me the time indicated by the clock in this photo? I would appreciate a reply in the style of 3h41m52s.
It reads 10h49m44s
